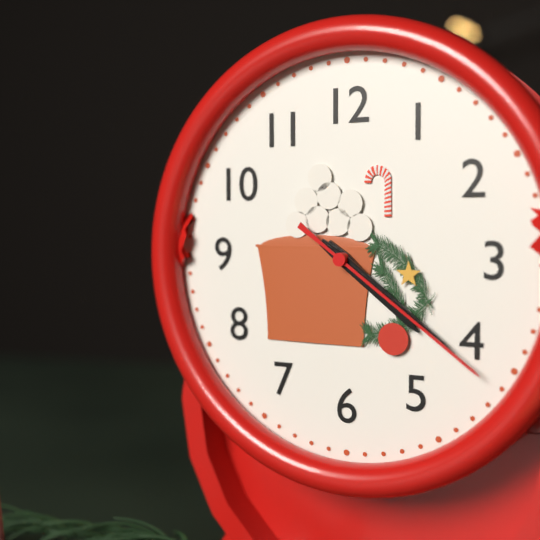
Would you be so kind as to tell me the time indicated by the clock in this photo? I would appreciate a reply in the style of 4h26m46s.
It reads 4h21m21s
